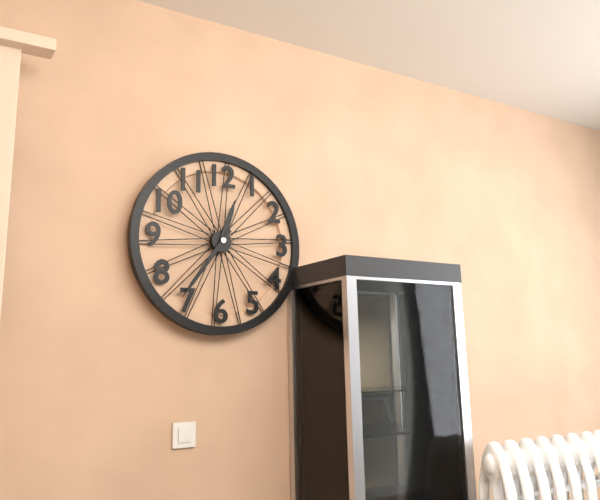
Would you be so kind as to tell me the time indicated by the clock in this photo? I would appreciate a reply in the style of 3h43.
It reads 12h36
